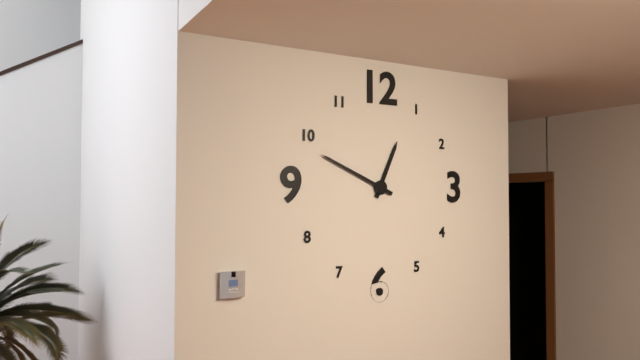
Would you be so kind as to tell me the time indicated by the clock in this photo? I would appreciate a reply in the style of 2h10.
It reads 12h49
